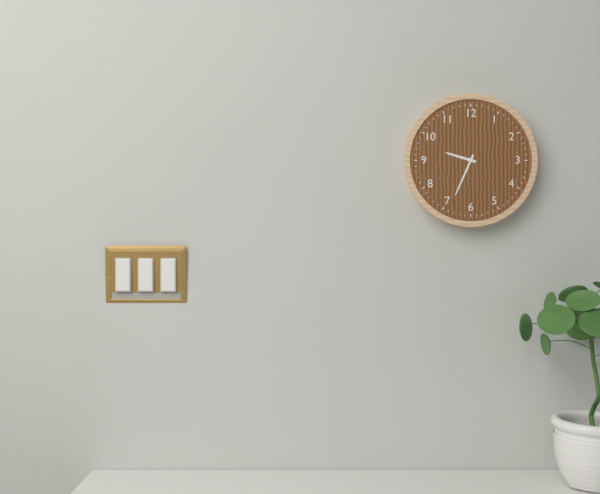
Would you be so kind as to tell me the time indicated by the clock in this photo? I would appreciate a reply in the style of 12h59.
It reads 9h34
